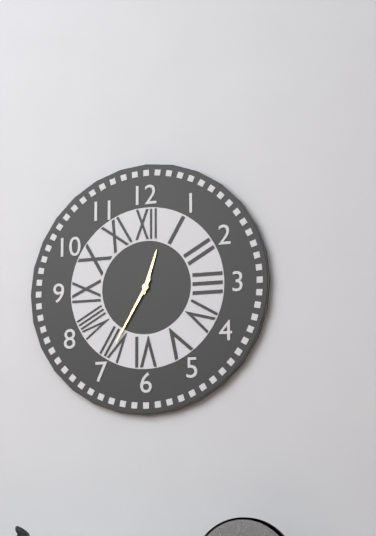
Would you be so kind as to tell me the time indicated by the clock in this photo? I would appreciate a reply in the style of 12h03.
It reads 12h35
